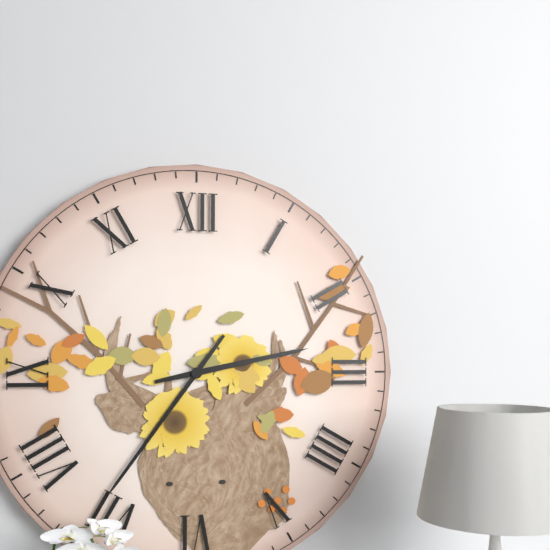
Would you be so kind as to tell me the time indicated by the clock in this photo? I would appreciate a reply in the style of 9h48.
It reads 2h36
